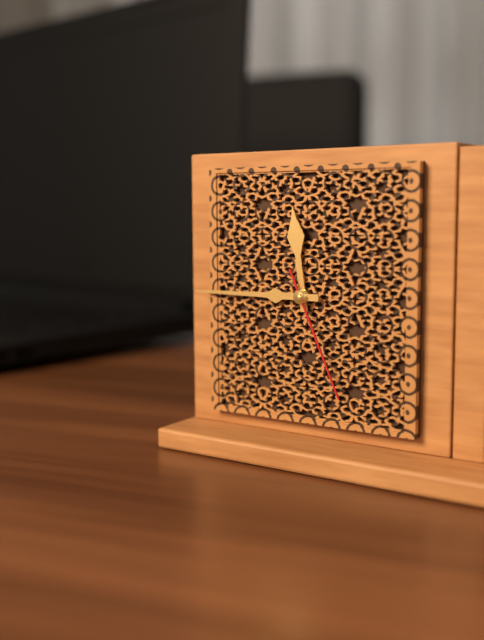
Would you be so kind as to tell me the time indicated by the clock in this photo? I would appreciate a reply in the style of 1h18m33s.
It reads 11h45m26s
